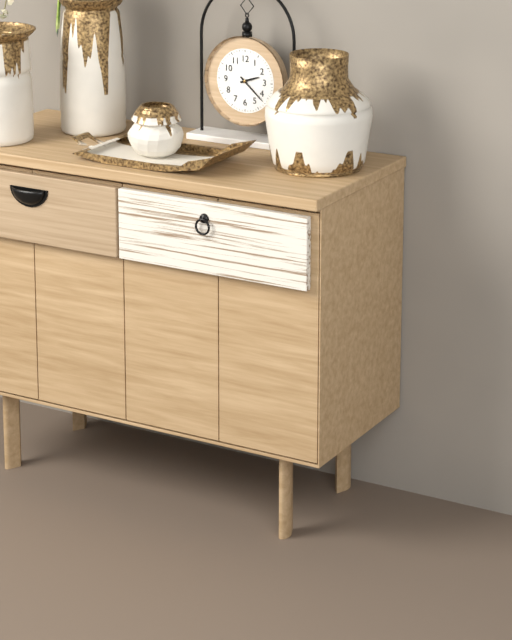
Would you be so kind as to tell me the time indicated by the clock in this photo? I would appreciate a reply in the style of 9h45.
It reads 2h22
